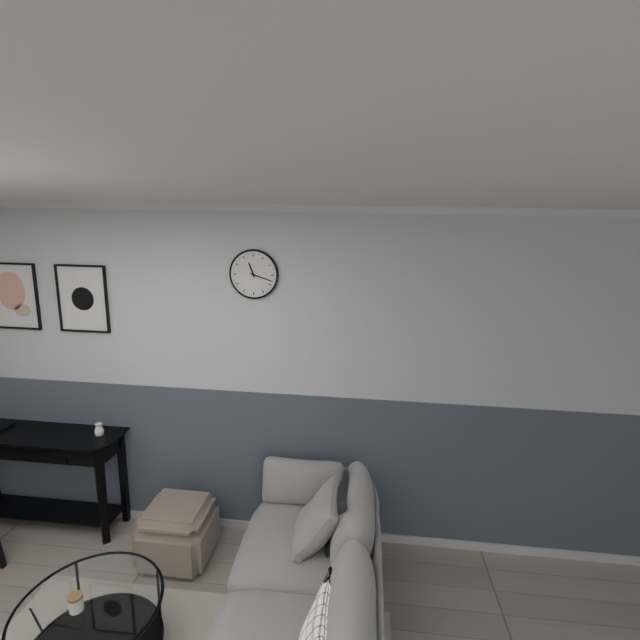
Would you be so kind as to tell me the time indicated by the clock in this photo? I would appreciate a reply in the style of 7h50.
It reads 11h18
